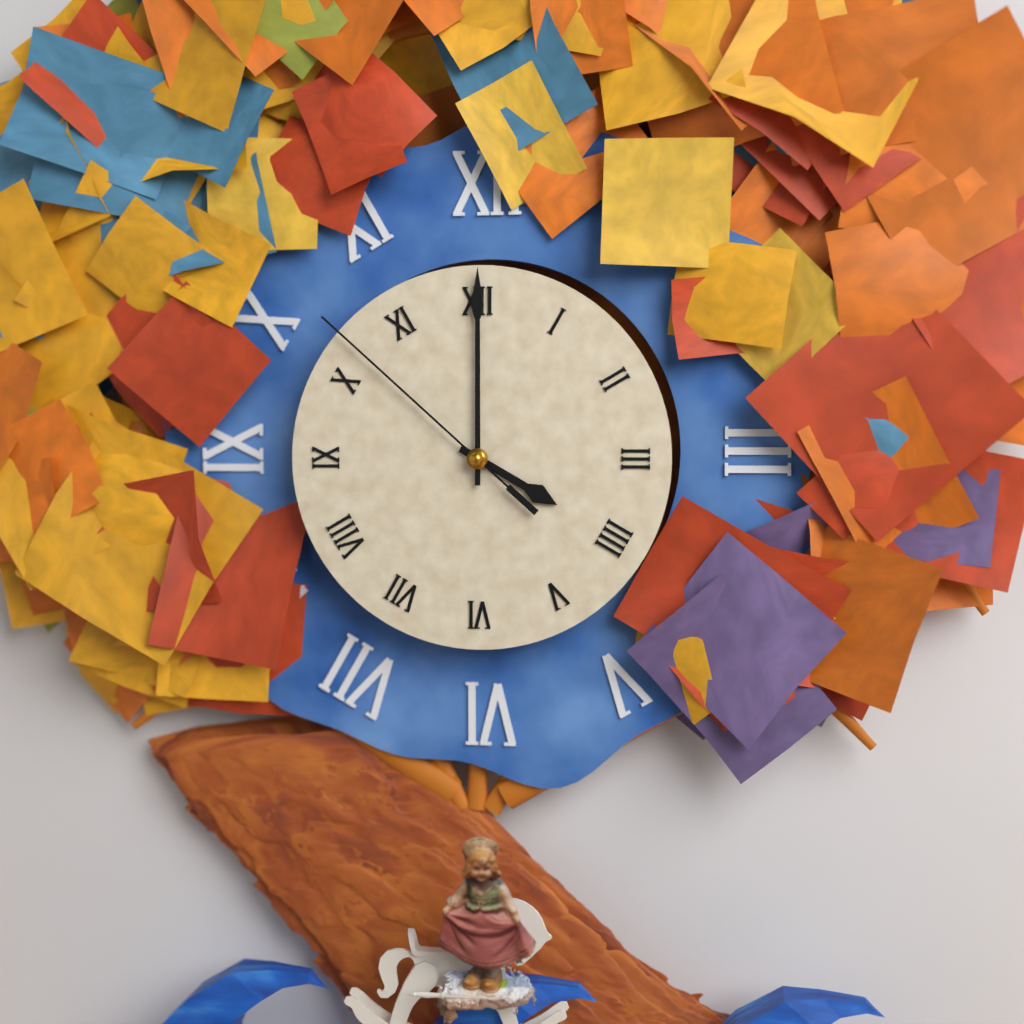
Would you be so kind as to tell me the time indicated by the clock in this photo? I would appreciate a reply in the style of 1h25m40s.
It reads 4h00m52s
